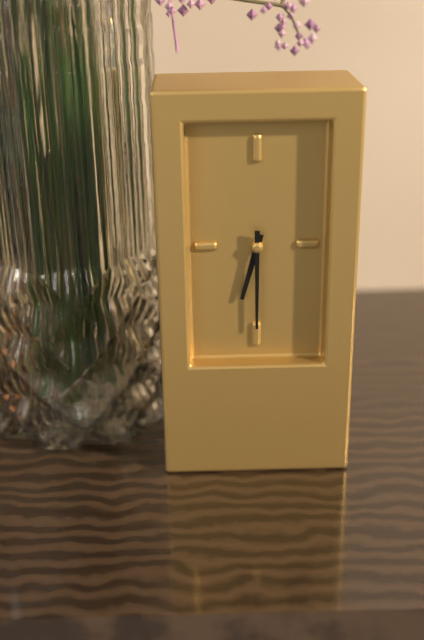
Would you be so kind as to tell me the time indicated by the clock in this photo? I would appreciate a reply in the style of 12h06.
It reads 6h30
